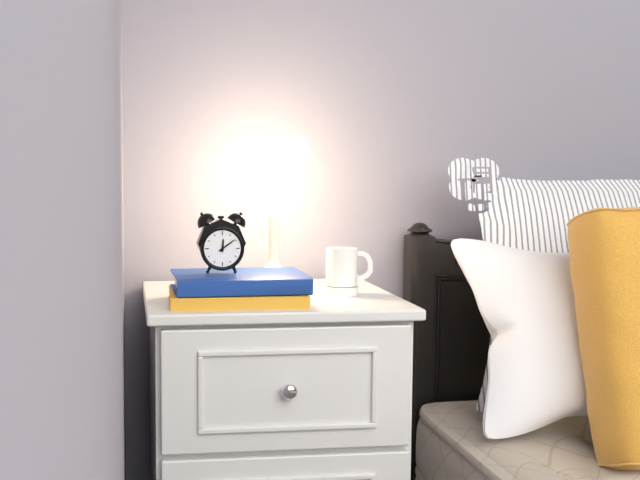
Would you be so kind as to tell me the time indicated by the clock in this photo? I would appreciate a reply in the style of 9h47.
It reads 12h09
